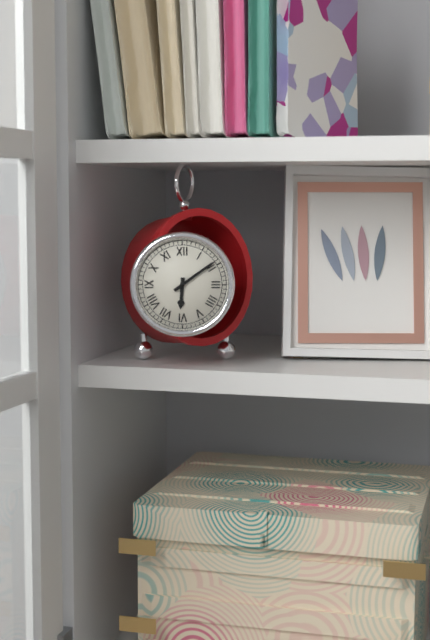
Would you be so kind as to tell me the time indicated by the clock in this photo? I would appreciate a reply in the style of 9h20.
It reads 6h09
